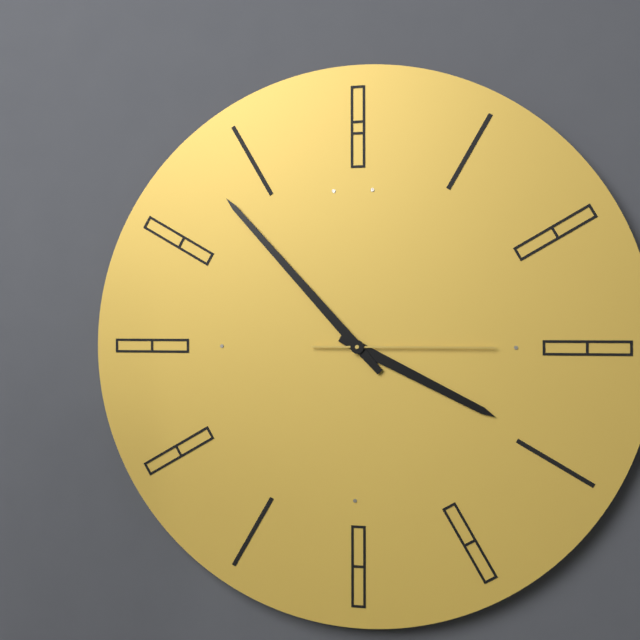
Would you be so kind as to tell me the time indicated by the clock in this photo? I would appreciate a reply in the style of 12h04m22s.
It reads 3h53m15s
